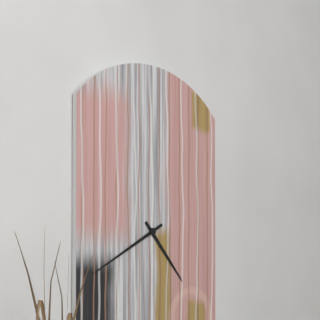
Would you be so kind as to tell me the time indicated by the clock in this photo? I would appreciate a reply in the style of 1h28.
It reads 4h40
